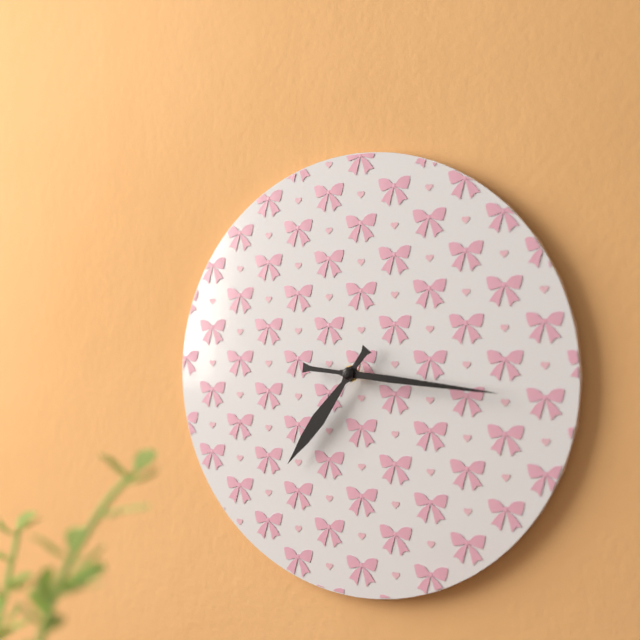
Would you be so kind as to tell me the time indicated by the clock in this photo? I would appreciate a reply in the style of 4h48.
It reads 7h16
